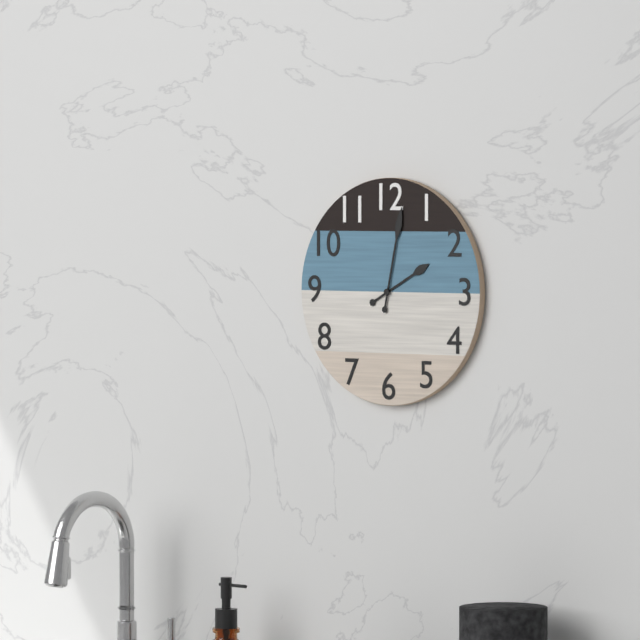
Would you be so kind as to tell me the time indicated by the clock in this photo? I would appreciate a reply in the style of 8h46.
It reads 2h02
